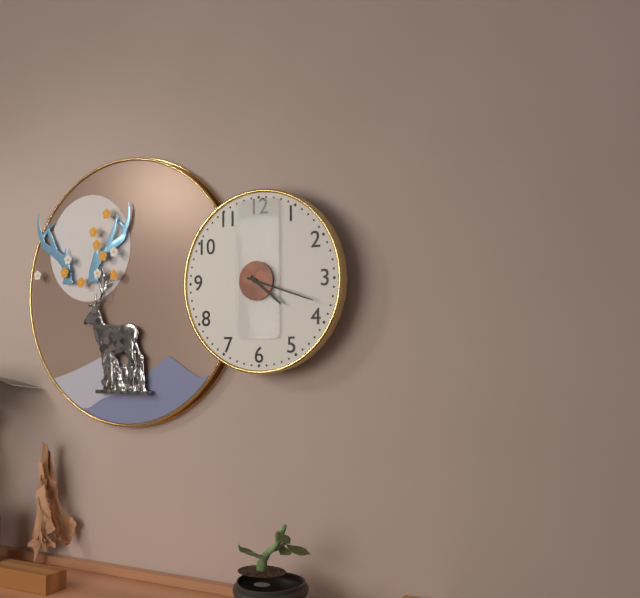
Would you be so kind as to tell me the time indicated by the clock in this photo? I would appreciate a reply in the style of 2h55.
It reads 4h18
